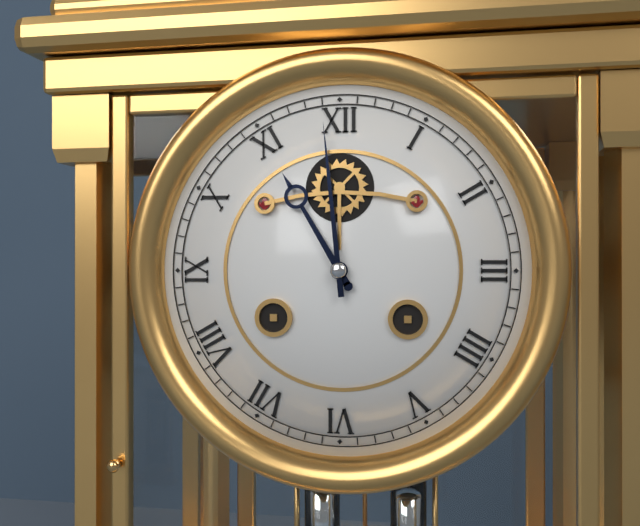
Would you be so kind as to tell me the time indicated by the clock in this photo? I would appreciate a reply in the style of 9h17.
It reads 10h59
